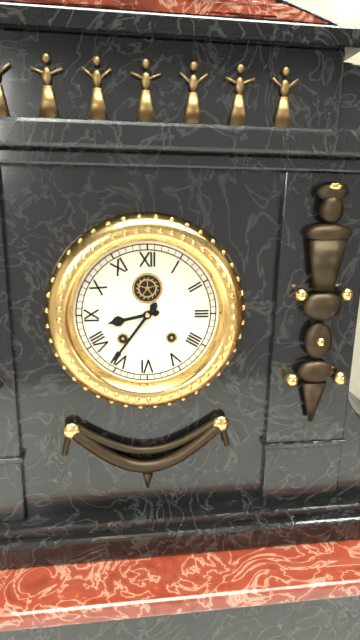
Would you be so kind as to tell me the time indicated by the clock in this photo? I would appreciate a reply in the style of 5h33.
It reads 8h36
